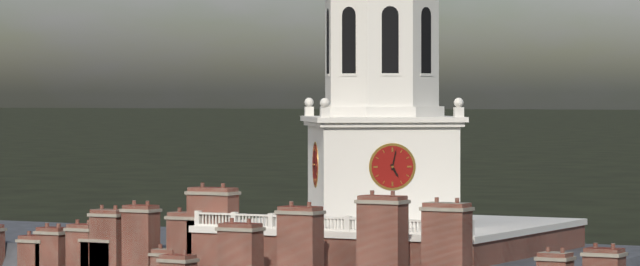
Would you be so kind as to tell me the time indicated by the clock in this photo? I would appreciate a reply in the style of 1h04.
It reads 5h02
